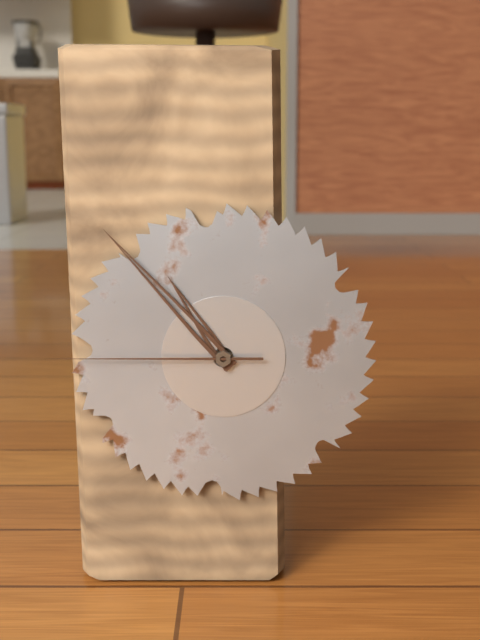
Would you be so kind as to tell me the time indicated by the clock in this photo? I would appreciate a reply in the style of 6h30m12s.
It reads 10h53m45s
